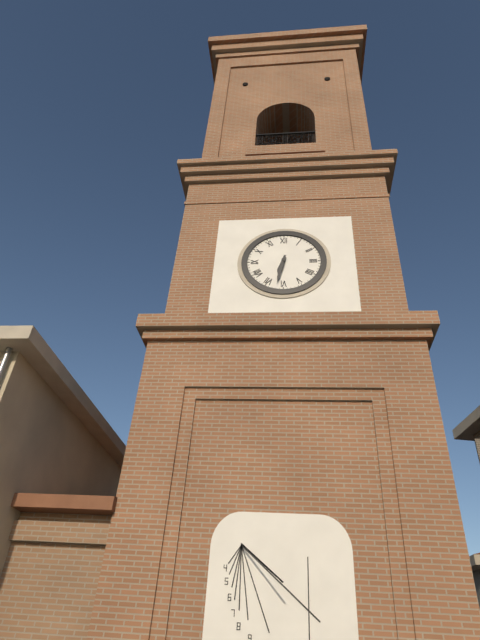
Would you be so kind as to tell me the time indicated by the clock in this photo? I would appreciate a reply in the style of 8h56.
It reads 6h32
